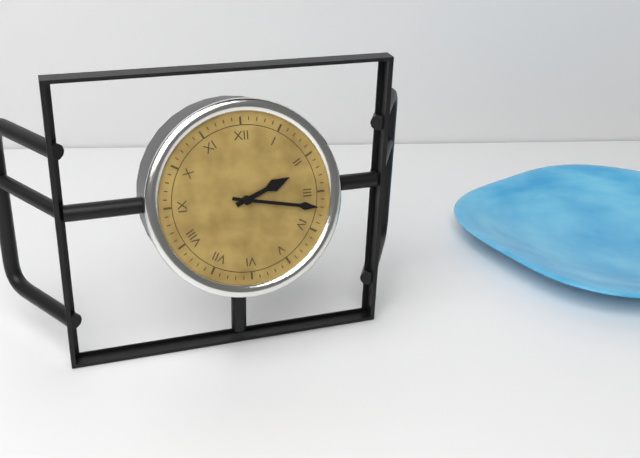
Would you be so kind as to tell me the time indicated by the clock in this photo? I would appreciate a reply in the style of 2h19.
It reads 2h17
